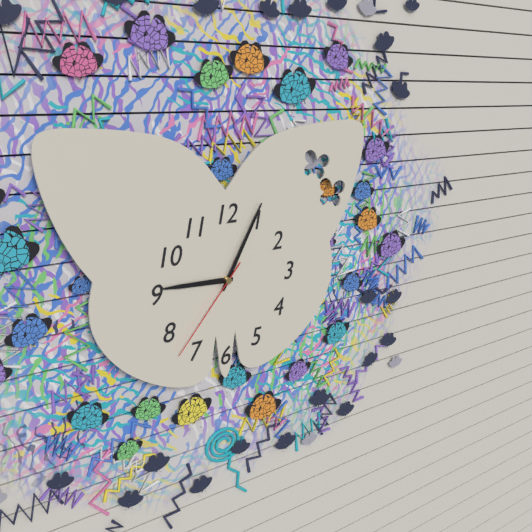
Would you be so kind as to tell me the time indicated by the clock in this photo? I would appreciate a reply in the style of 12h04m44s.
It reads 9h05m37s
